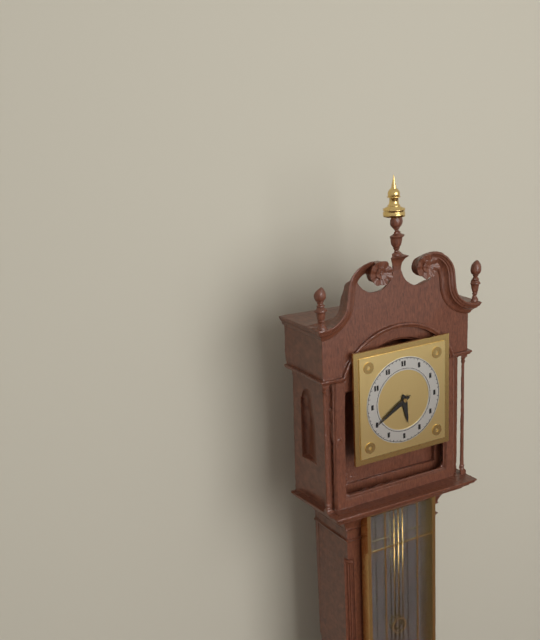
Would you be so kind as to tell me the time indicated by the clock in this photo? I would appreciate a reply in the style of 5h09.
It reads 5h40
